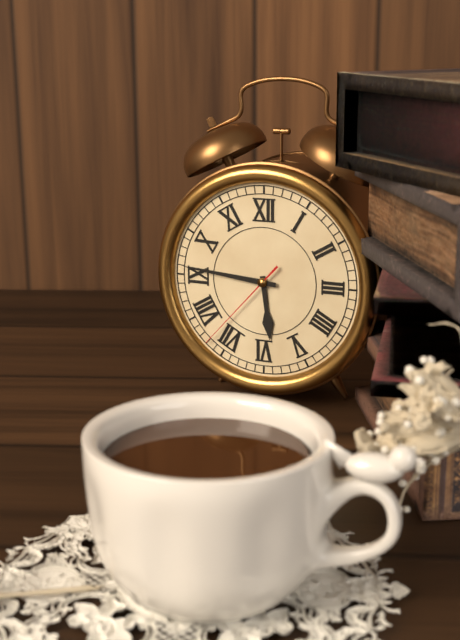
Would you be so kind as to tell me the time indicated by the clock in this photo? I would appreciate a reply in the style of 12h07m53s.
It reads 5h46m37s
